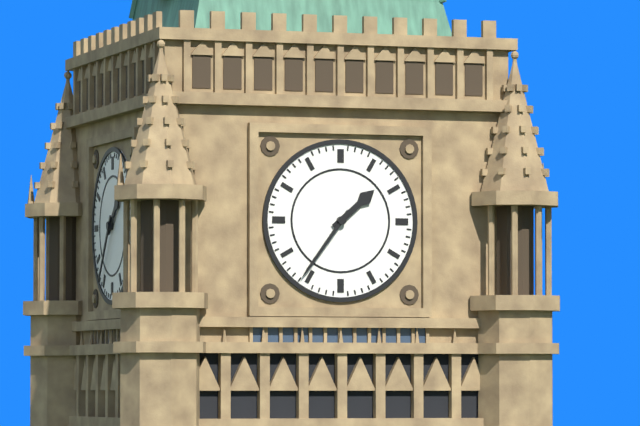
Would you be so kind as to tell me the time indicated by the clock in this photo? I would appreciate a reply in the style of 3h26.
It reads 1h36
